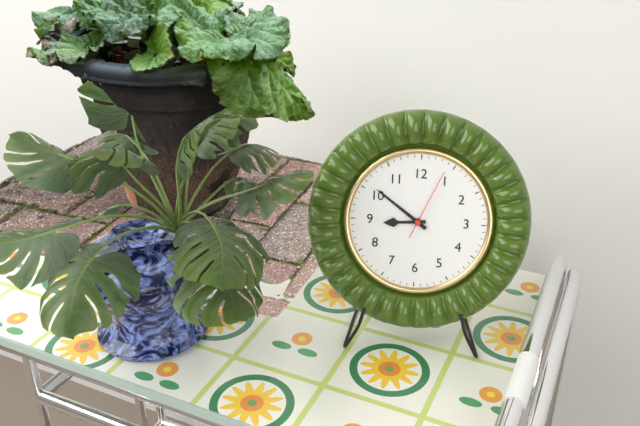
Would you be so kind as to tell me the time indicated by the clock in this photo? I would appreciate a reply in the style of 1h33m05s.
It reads 8h51m04s
